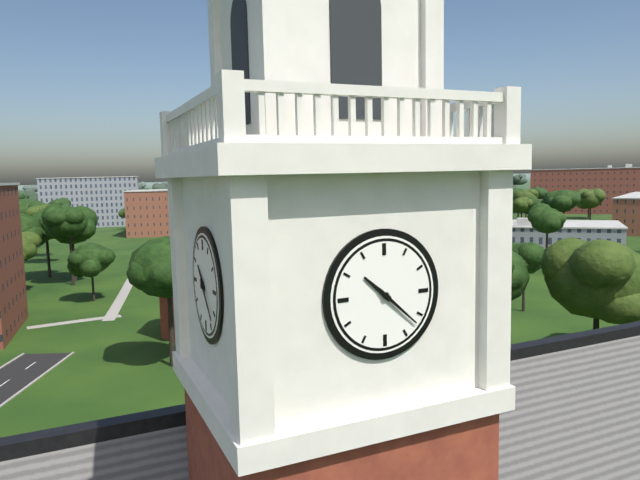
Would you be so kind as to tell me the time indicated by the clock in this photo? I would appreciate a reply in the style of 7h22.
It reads 10h22
